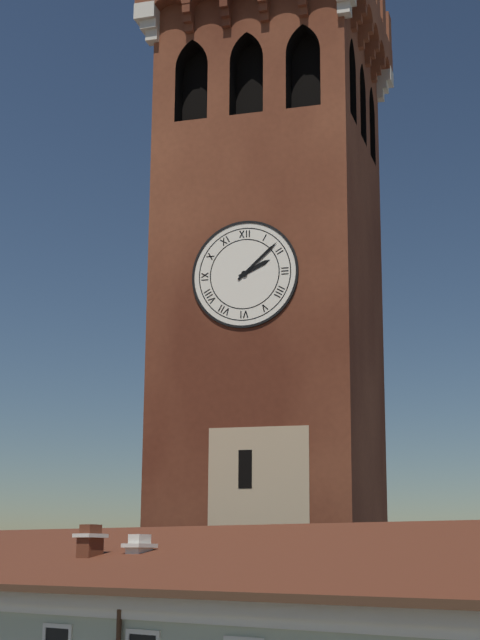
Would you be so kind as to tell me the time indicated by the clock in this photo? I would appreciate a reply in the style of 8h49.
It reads 2h08
